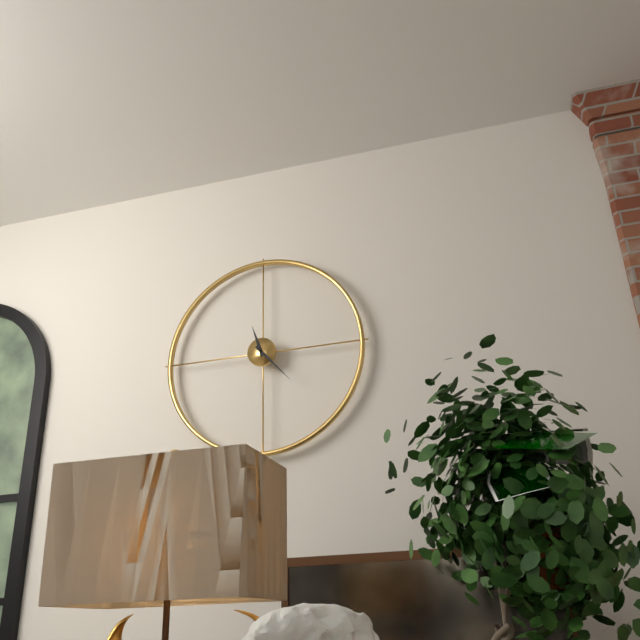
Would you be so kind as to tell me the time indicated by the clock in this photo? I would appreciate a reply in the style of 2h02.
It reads 11h23
